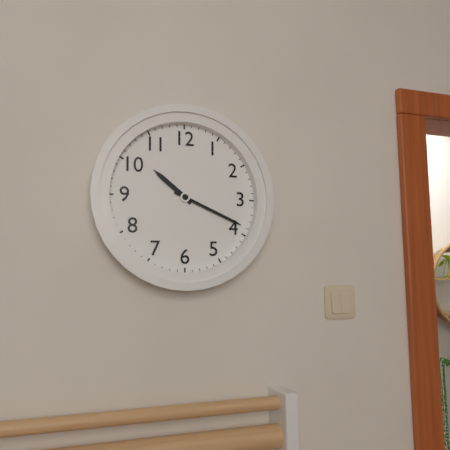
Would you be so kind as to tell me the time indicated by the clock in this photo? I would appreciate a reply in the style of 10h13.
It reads 10h19
